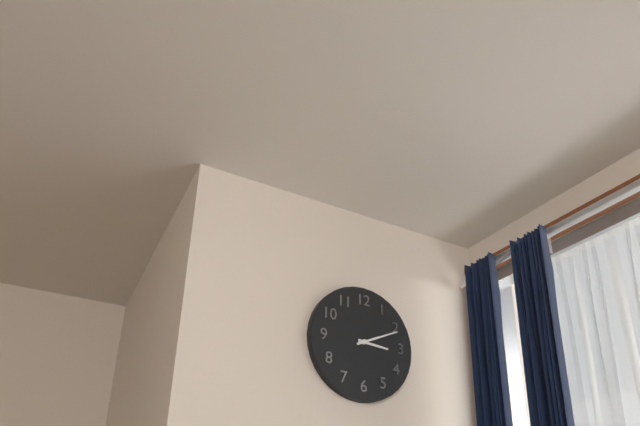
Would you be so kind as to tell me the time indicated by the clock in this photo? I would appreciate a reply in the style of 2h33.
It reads 3h11
